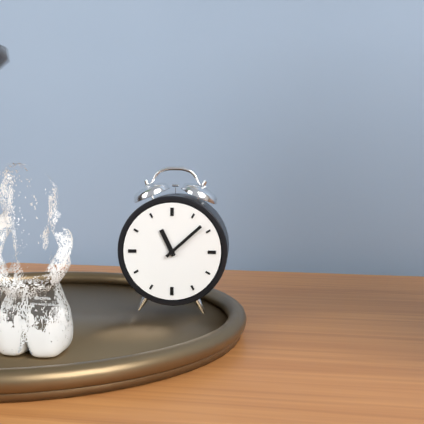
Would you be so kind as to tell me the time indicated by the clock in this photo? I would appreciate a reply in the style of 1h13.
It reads 11h08
